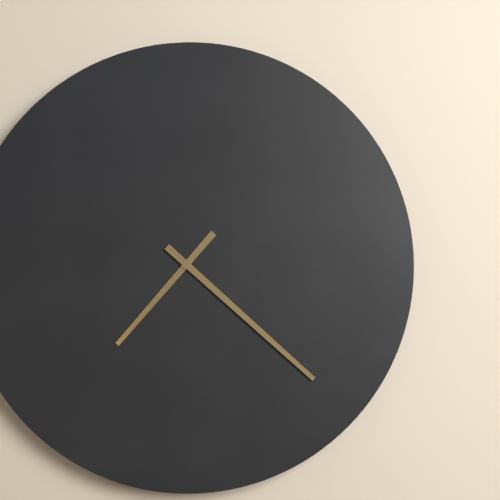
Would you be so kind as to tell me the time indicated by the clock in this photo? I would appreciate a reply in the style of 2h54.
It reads 7h22
